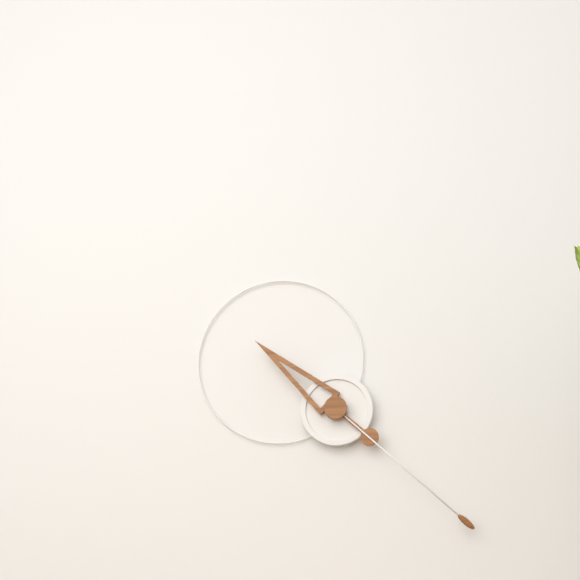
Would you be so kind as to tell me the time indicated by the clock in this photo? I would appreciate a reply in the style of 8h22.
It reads 10h22
